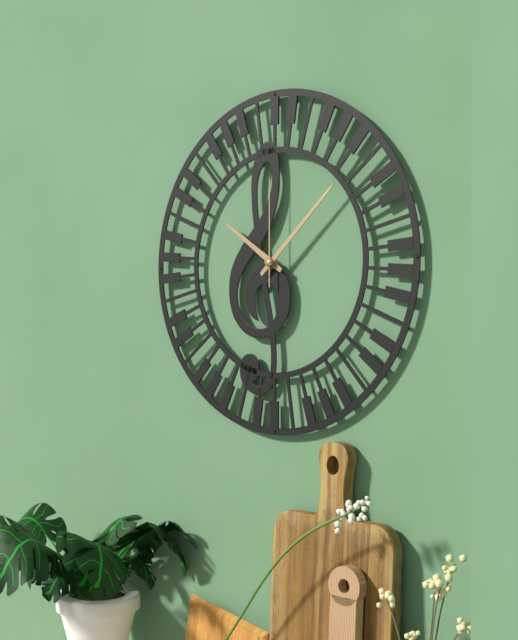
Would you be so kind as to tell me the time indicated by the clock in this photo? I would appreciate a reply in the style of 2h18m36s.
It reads 10h08m00s
